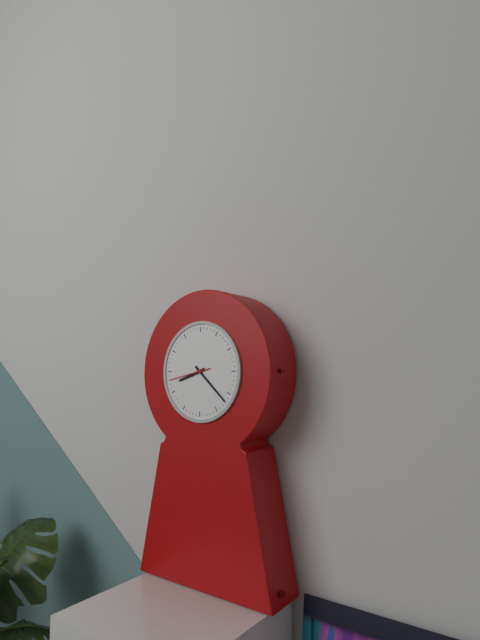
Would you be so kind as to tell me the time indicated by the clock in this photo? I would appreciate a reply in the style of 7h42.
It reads 8h22
